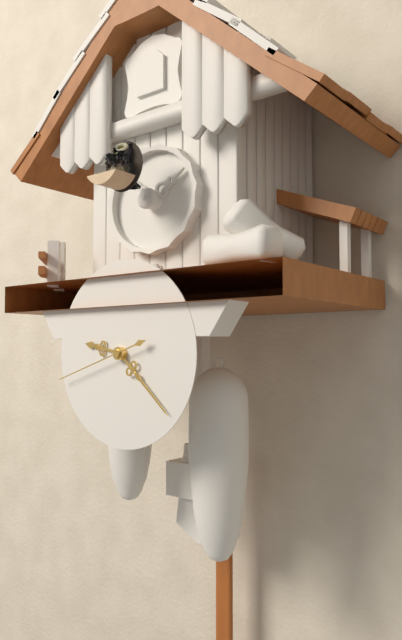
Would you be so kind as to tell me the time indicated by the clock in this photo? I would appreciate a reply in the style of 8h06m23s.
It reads 9h22m42s
